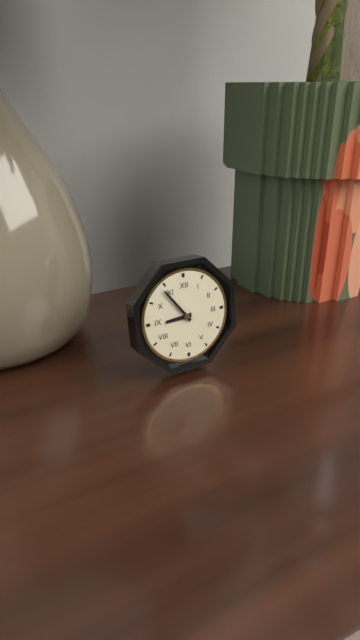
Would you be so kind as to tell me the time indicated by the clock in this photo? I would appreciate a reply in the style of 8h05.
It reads 8h54
